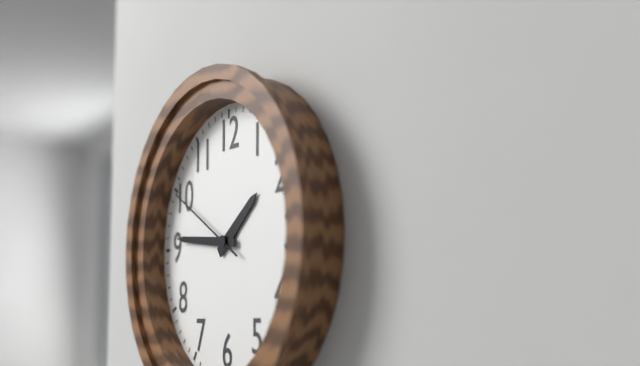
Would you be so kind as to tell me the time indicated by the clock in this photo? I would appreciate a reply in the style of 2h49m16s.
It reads 1h46m50s
